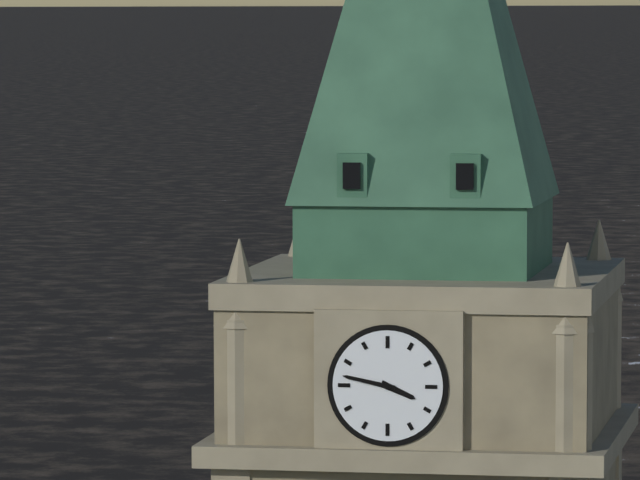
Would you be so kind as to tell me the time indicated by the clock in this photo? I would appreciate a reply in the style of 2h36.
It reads 3h47
